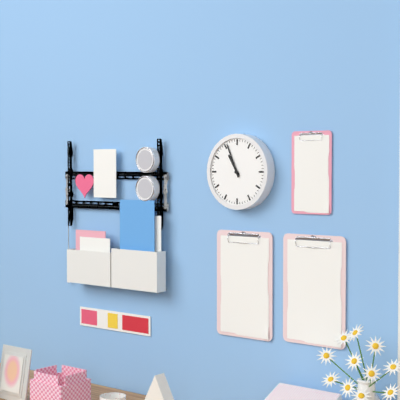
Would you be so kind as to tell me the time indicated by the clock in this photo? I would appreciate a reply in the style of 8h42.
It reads 10h56
